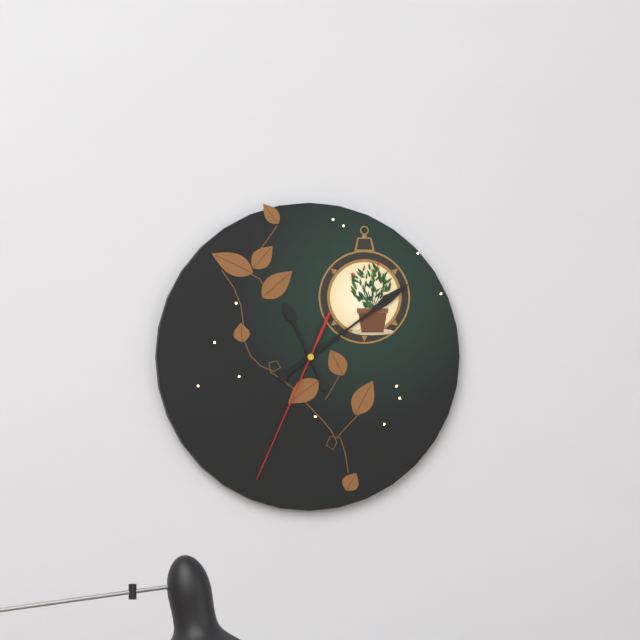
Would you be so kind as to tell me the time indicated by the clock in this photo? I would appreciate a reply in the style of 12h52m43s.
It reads 11h09m34s
